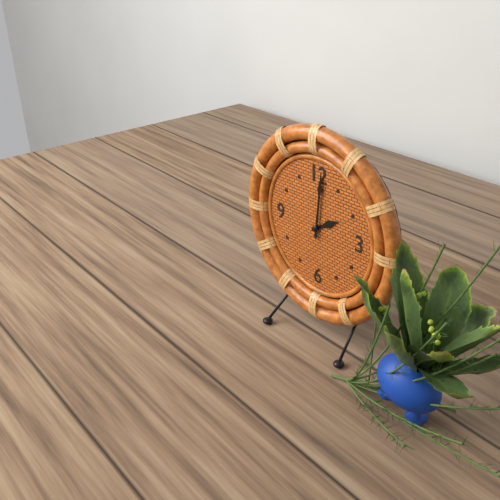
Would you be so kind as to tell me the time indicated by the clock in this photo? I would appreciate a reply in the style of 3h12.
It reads 2h01
